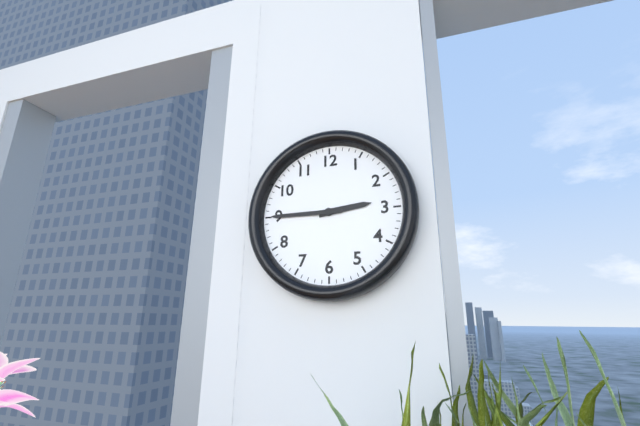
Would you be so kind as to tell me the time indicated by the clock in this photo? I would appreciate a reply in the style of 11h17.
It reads 2h45
